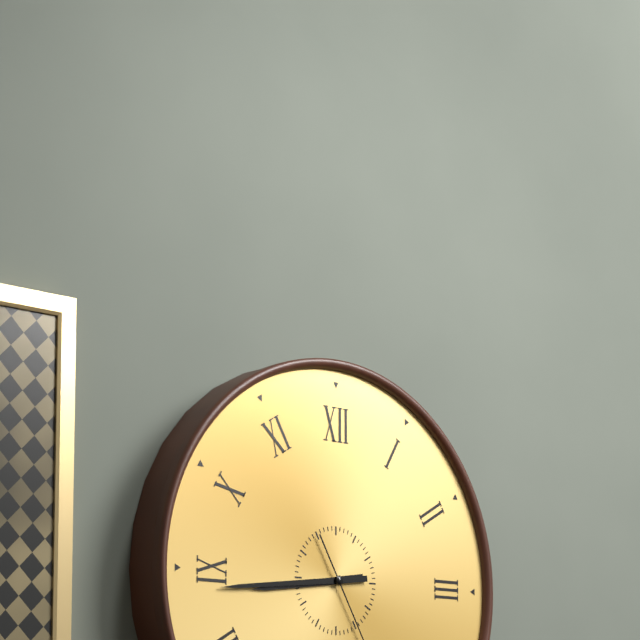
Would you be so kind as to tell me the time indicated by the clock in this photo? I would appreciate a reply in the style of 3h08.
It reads 8h44
